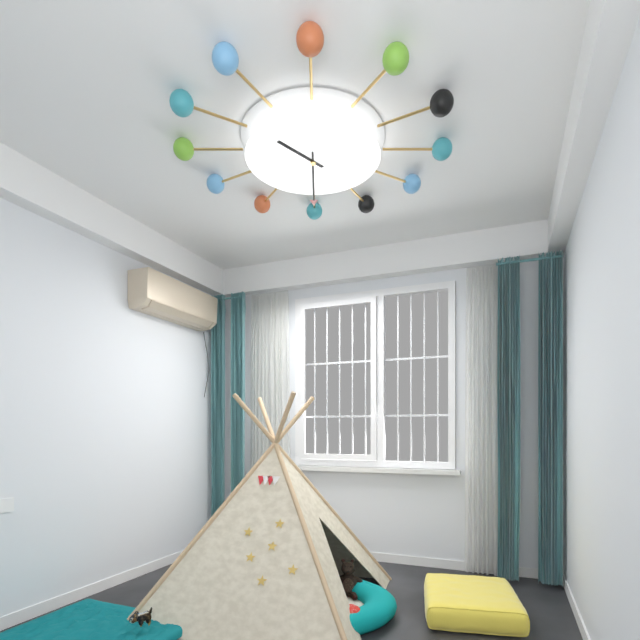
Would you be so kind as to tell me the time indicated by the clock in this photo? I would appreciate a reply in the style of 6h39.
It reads 10h30
